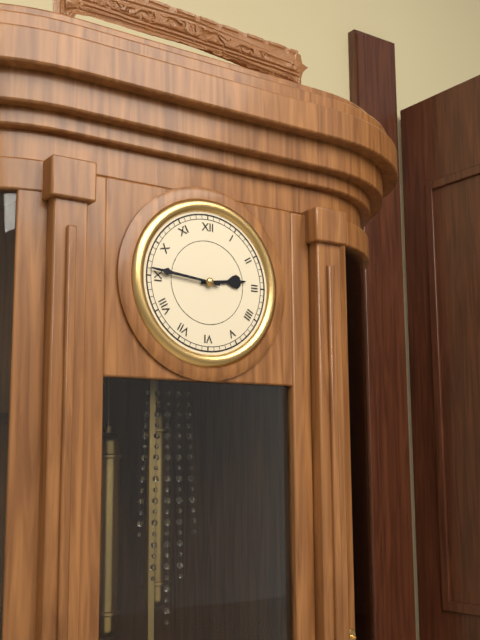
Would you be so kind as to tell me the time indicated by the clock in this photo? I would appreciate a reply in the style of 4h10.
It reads 2h46
